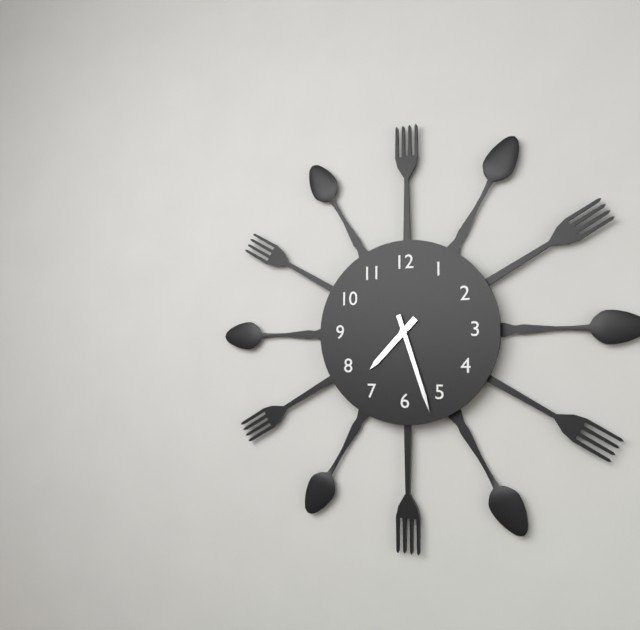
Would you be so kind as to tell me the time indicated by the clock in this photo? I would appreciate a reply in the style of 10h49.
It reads 7h27
